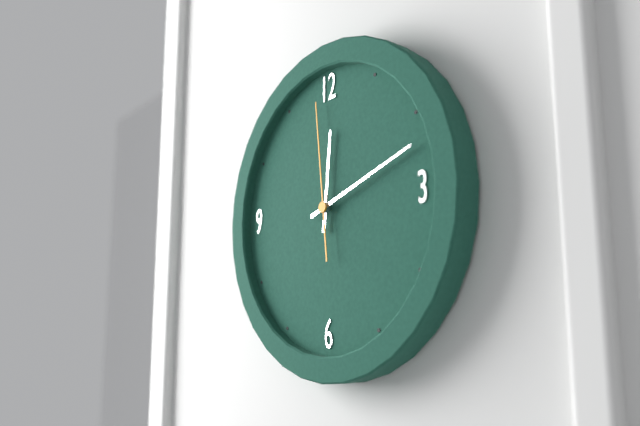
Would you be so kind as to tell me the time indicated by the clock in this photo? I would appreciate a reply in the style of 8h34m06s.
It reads 12h12m59s
